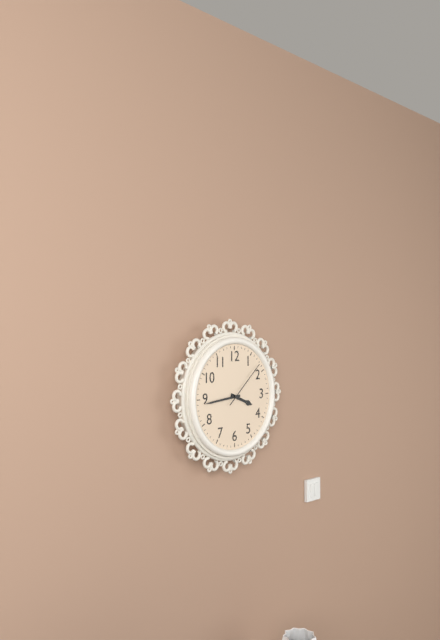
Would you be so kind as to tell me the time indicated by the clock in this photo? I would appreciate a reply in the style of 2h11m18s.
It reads 3h44m08s
